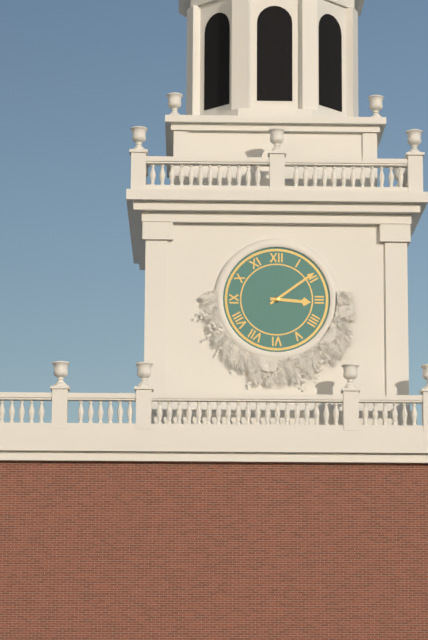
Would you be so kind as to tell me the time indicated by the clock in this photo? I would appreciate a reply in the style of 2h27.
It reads 3h09
